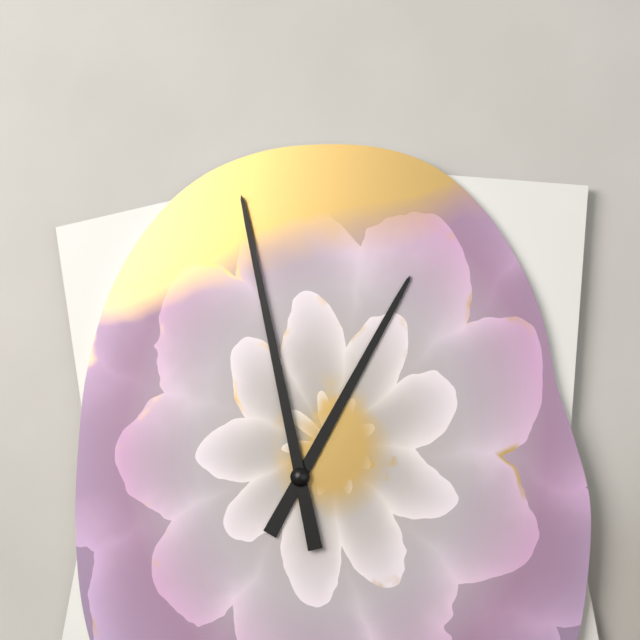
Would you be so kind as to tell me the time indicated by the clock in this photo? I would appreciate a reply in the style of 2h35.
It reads 12h58
